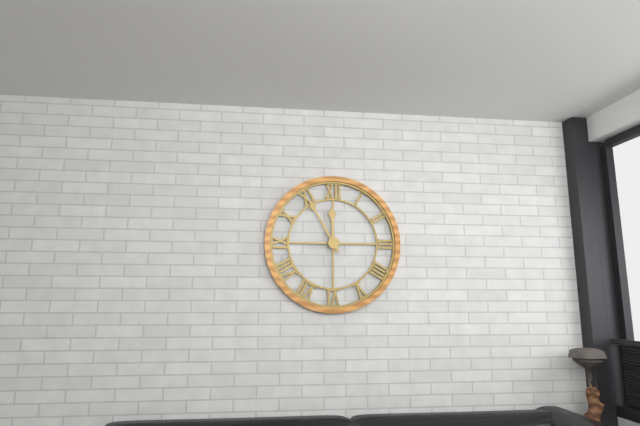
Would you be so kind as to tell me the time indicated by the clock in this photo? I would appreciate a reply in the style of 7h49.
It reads 11h55
